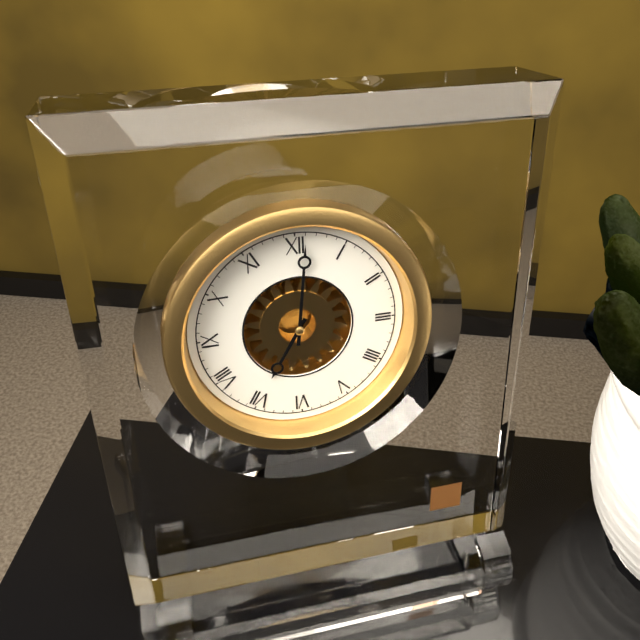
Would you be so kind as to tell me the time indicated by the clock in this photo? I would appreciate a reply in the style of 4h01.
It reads 7h01
